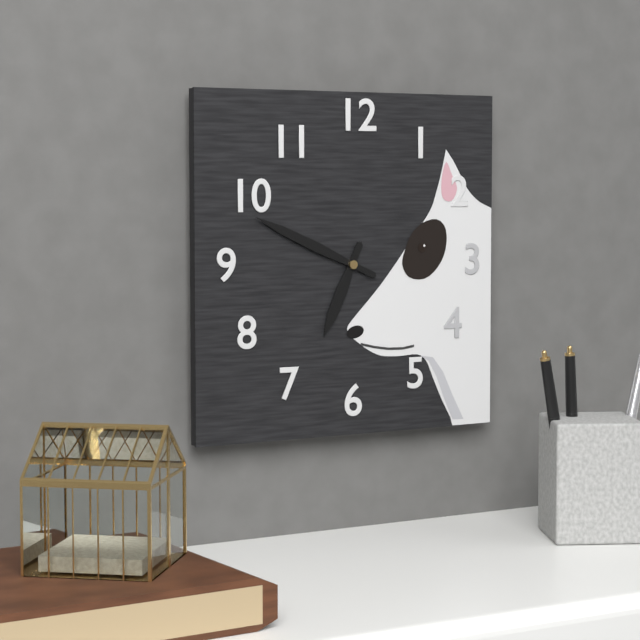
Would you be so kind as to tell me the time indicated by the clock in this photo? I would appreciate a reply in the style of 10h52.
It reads 6h49
